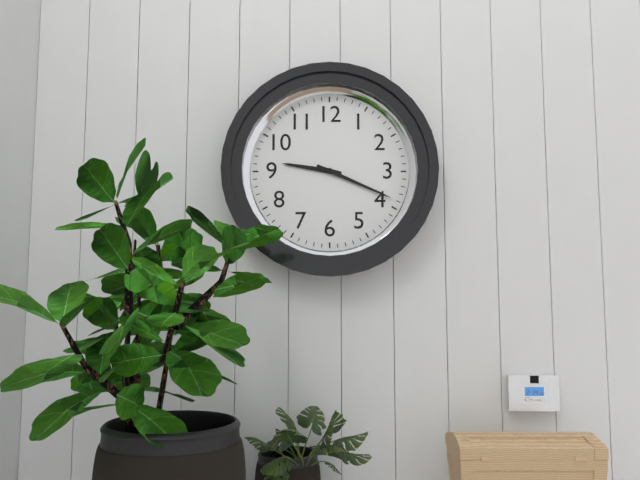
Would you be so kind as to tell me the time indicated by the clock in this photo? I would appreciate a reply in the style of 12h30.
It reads 9h19
